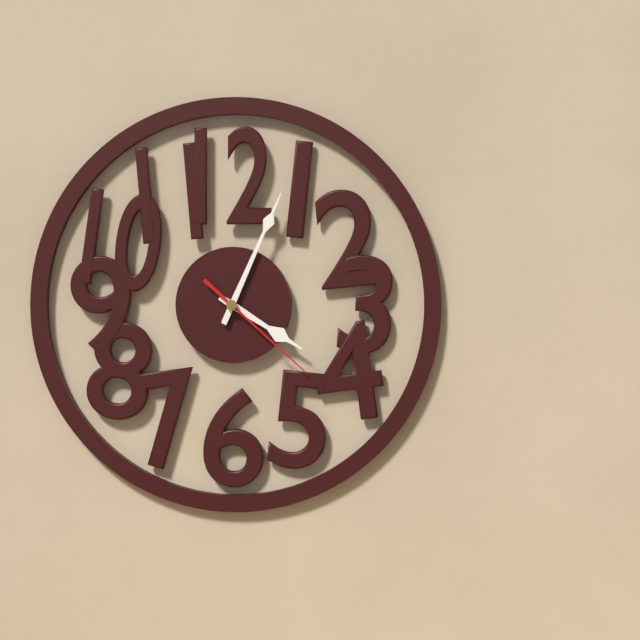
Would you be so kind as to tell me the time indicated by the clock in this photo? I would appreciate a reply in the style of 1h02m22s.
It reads 4h04m22s
